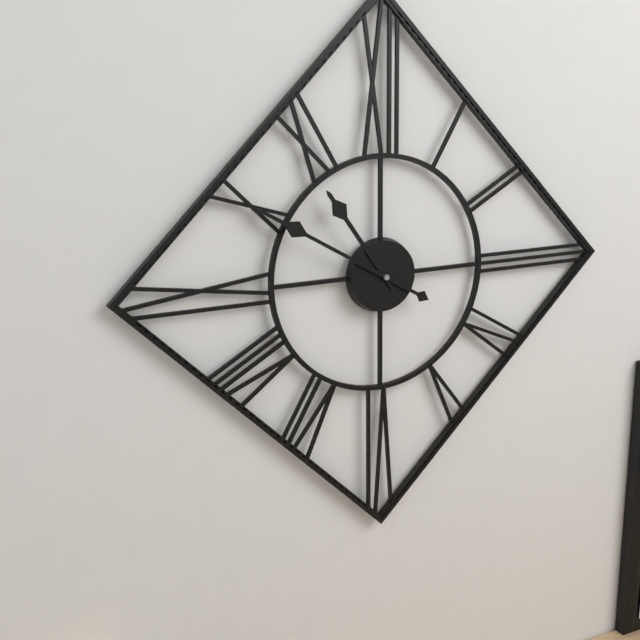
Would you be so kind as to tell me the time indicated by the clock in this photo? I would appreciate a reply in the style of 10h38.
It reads 10h50
